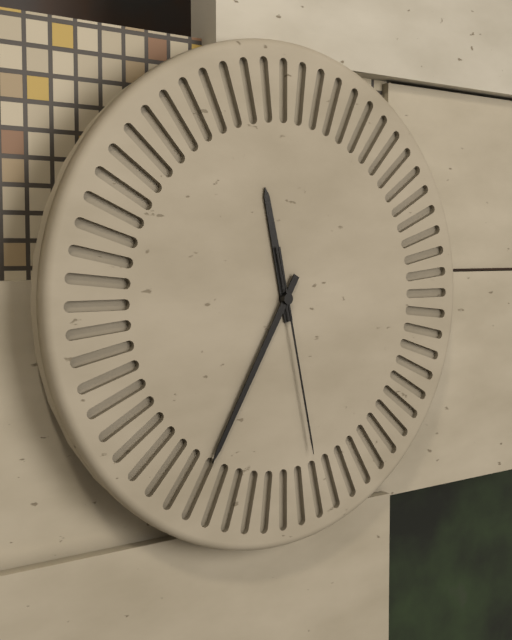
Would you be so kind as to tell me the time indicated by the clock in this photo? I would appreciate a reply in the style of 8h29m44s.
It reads 11h35m28s
